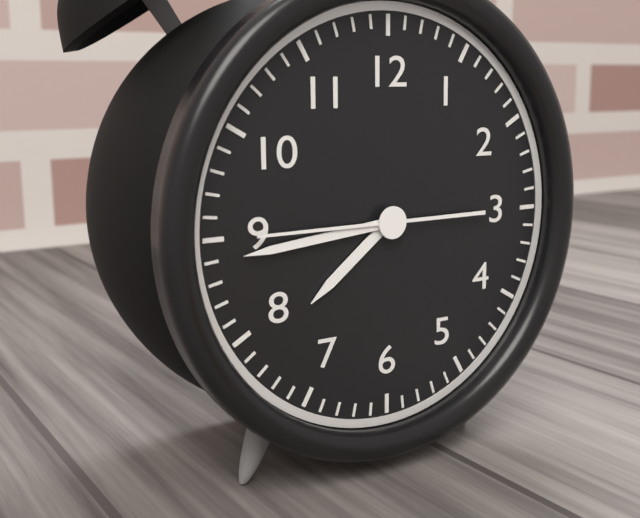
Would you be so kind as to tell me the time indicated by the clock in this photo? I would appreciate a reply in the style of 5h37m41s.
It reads 7h44m45s
